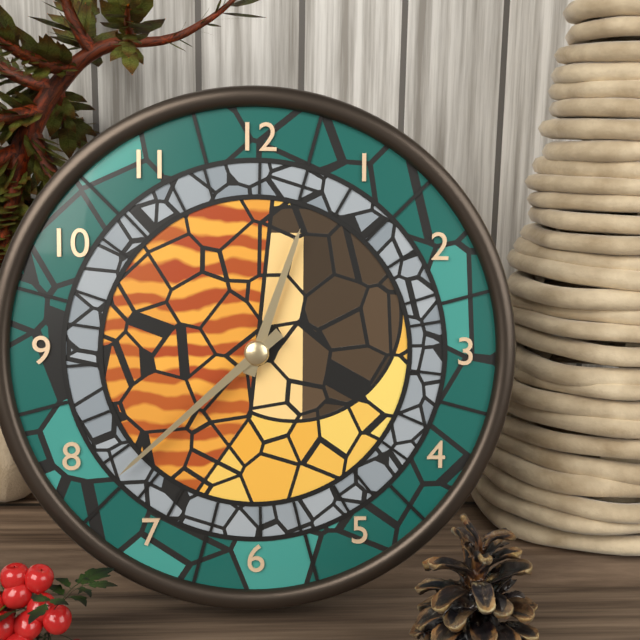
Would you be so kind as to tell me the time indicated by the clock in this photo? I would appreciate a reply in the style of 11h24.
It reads 12h38
